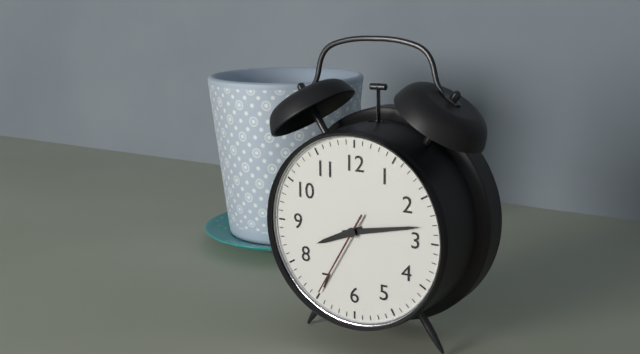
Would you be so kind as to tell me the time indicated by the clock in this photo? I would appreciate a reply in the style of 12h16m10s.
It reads 8h13m35s
